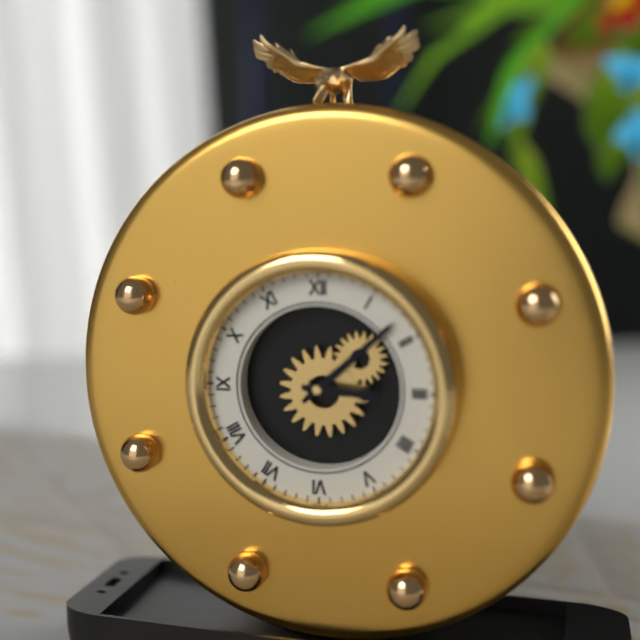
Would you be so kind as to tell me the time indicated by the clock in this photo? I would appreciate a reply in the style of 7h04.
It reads 3h08
